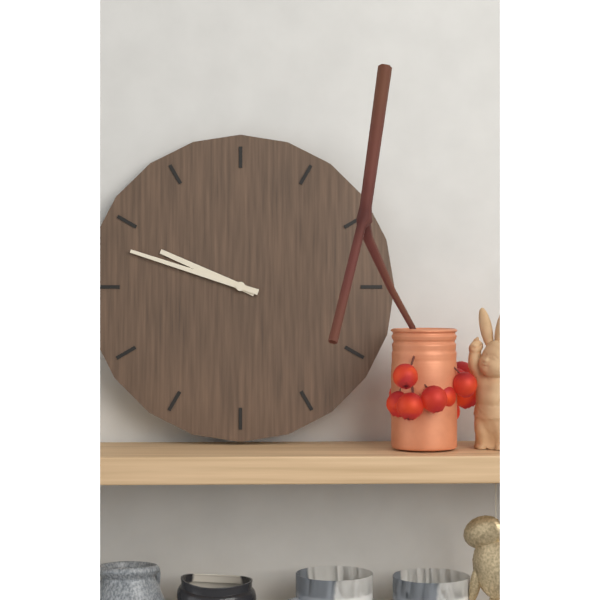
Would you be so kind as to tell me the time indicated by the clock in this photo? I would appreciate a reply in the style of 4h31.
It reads 9h48
